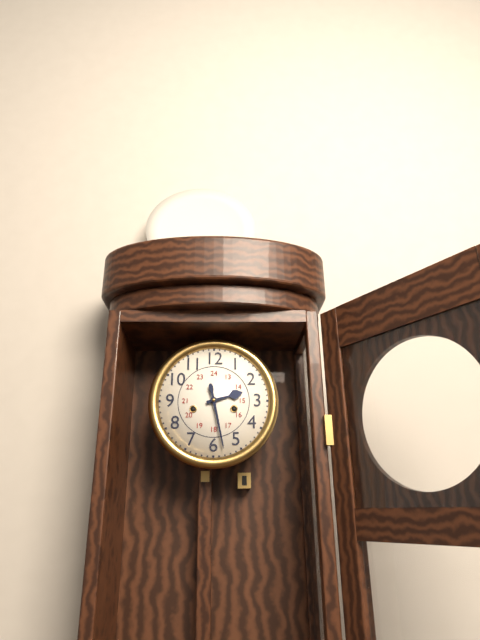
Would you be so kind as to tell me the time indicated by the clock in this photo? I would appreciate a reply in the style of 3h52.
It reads 2h28
